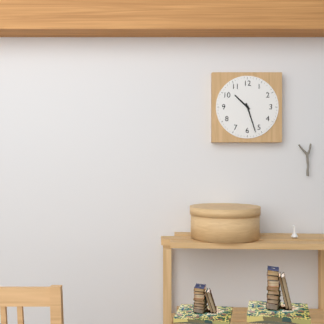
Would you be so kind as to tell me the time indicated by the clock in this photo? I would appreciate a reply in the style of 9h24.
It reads 10h27
